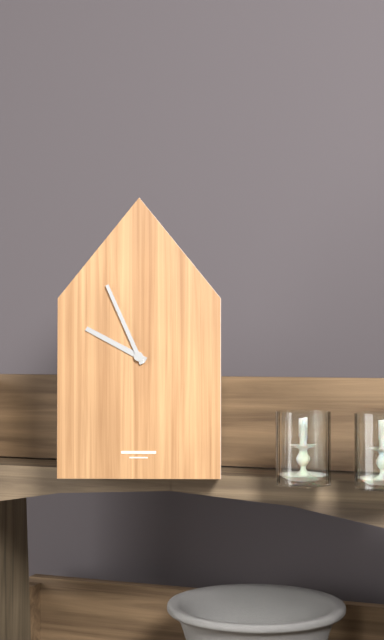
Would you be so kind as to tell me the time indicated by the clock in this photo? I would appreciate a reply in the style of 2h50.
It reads 9h56
